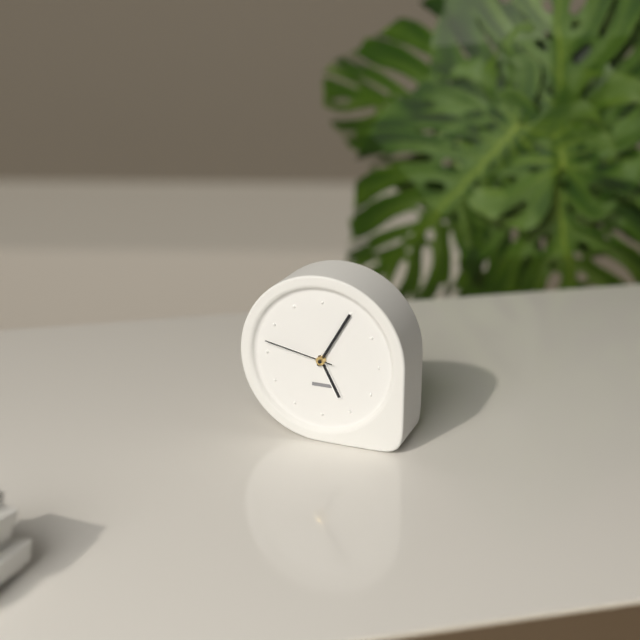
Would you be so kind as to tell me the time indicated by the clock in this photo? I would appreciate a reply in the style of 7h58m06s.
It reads 5h05m47s
